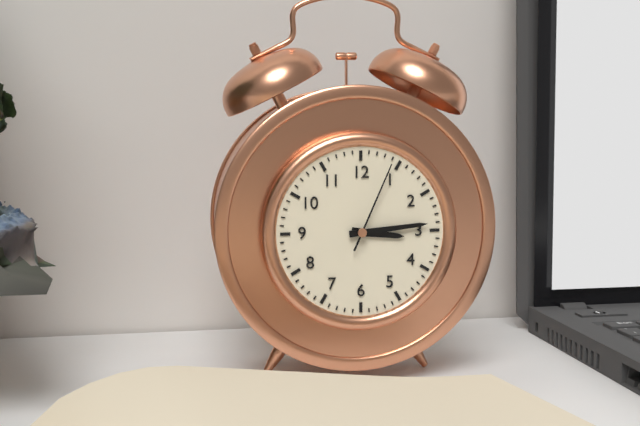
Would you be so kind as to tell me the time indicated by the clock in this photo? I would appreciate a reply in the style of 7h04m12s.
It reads 3h14m04s
